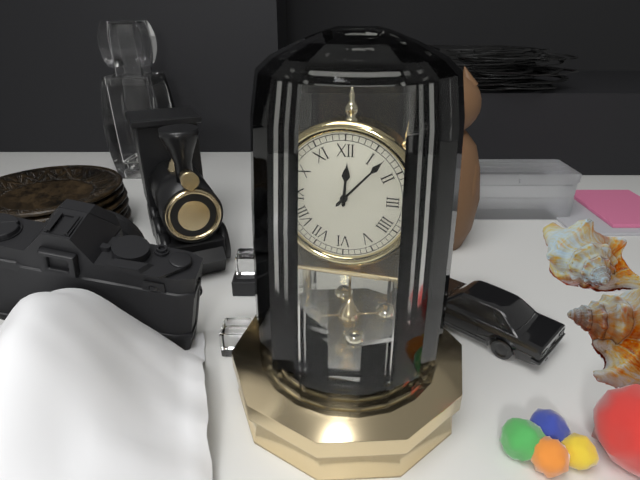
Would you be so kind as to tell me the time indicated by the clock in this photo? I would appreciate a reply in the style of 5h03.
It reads 12h07
